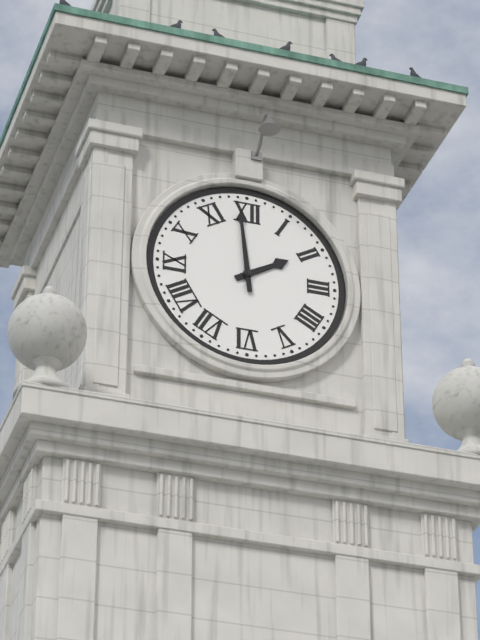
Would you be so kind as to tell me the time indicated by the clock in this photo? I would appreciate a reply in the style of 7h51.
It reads 1h59
